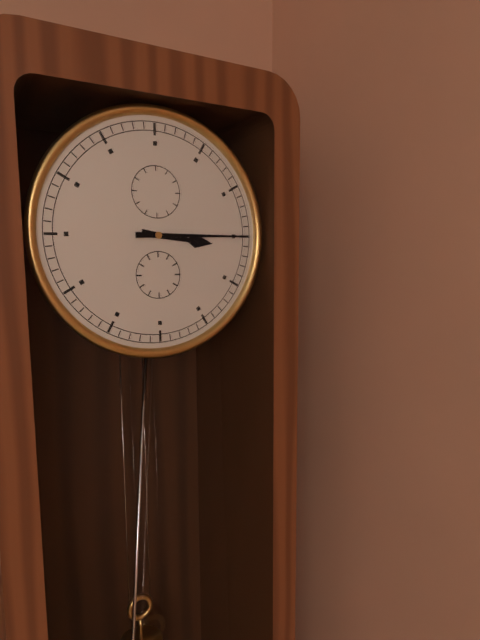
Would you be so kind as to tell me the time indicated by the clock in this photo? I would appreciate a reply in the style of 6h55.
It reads 3h15
